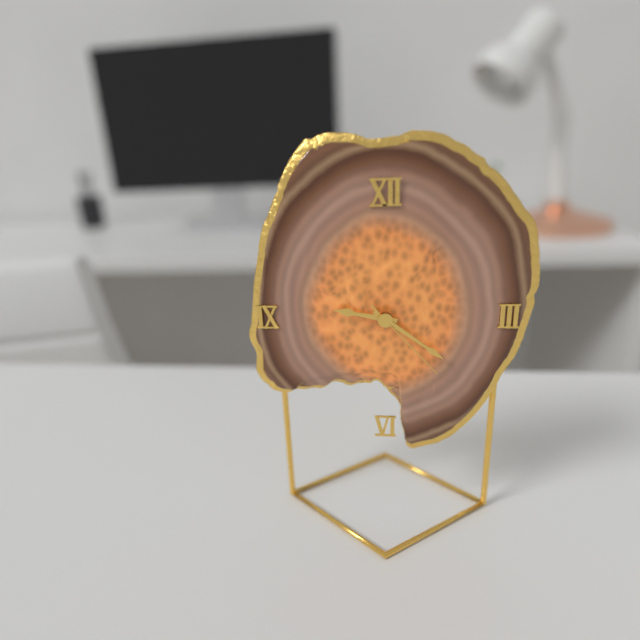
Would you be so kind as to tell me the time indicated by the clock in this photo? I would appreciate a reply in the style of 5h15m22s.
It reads 9h21m23s
